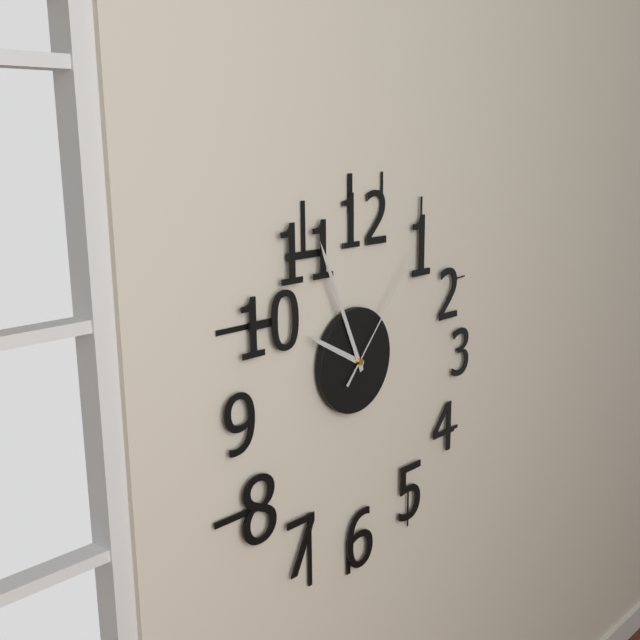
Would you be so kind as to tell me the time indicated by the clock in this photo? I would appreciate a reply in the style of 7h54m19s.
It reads 9h56m07s
